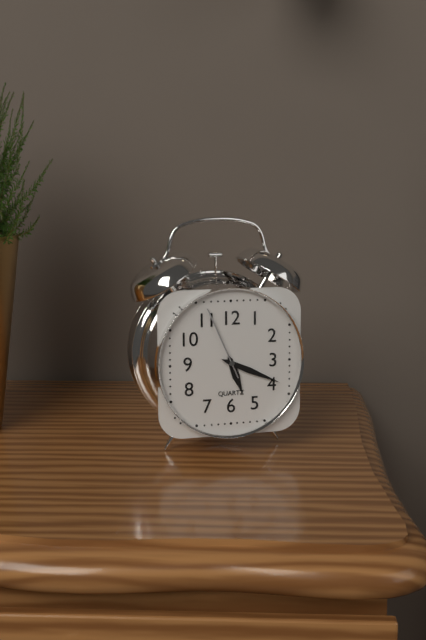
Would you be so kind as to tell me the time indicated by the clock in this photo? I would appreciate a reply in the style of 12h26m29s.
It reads 5h19m56s
